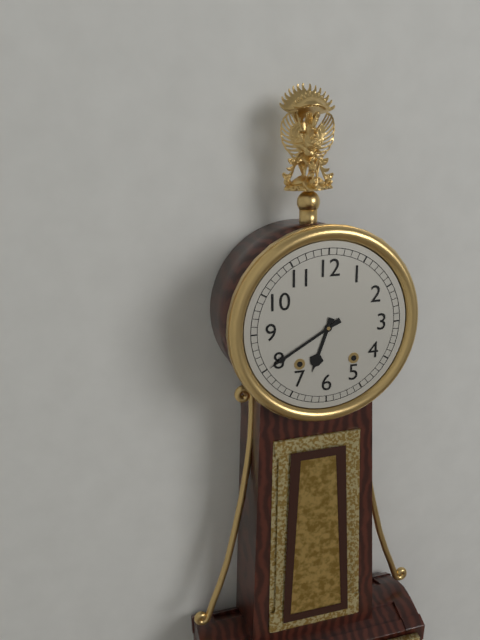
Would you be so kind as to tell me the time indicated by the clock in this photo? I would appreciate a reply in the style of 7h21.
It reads 6h40
